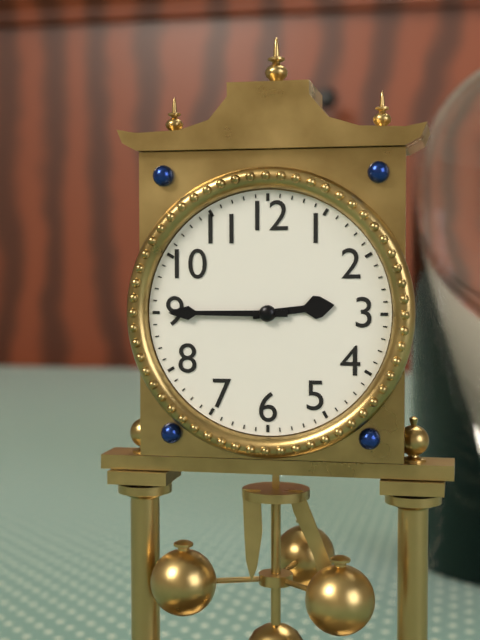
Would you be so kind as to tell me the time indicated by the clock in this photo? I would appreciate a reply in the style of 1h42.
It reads 2h45
